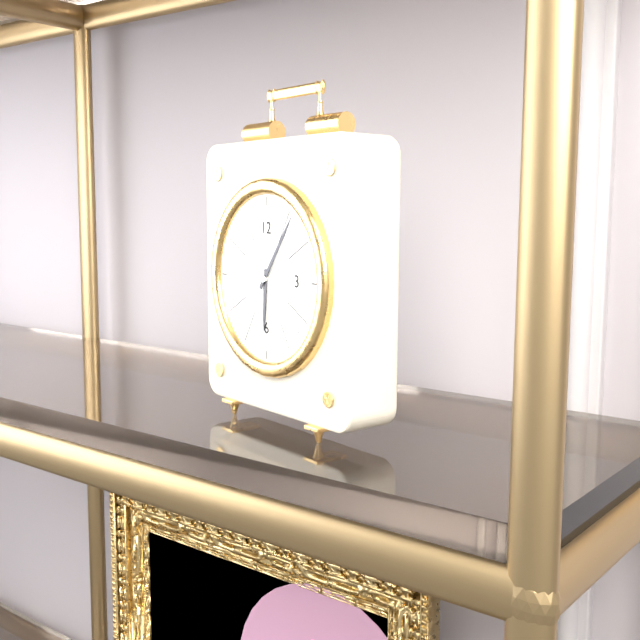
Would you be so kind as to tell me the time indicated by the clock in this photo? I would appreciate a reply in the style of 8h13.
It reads 6h06
